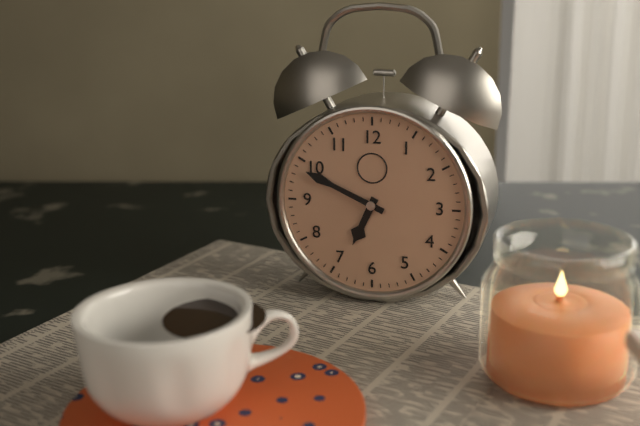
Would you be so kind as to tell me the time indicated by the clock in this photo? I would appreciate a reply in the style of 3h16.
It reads 6h49
